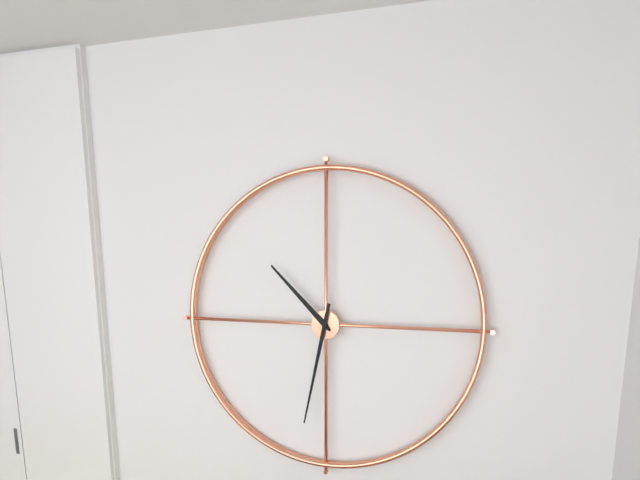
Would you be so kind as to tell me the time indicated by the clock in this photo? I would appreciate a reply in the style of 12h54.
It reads 10h32
